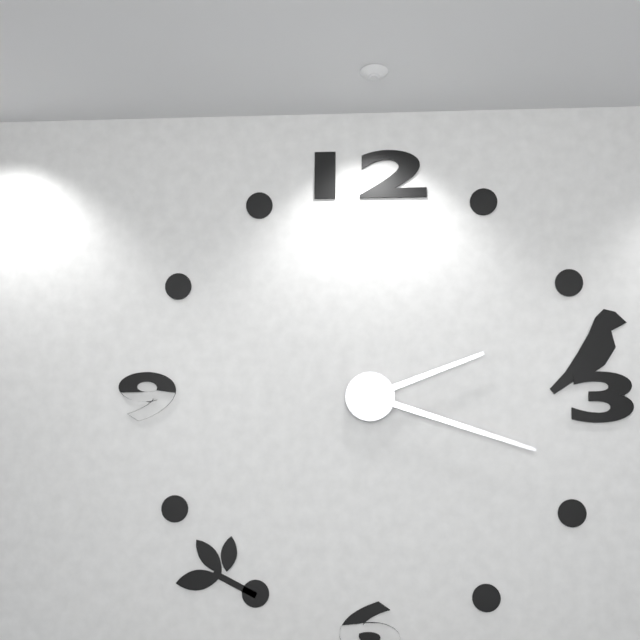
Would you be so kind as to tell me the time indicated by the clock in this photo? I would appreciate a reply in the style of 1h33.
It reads 2h18
